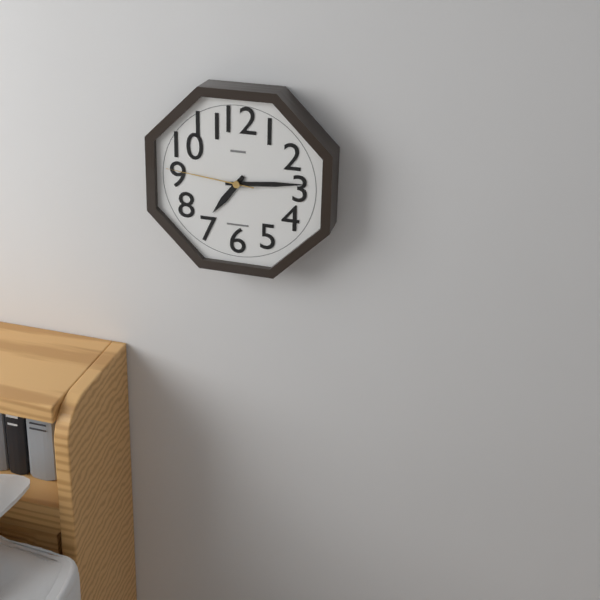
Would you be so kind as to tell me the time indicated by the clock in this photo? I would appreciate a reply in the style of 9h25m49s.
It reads 7h14m46s
